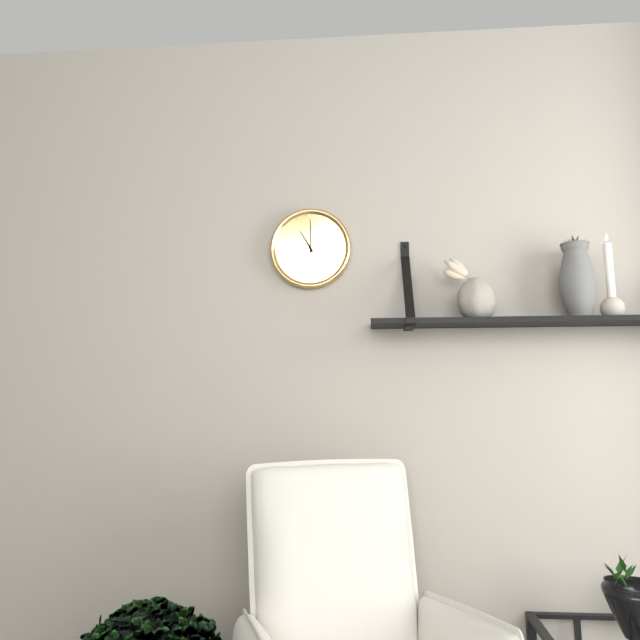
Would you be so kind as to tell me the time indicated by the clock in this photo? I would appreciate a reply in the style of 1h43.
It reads 11h00
